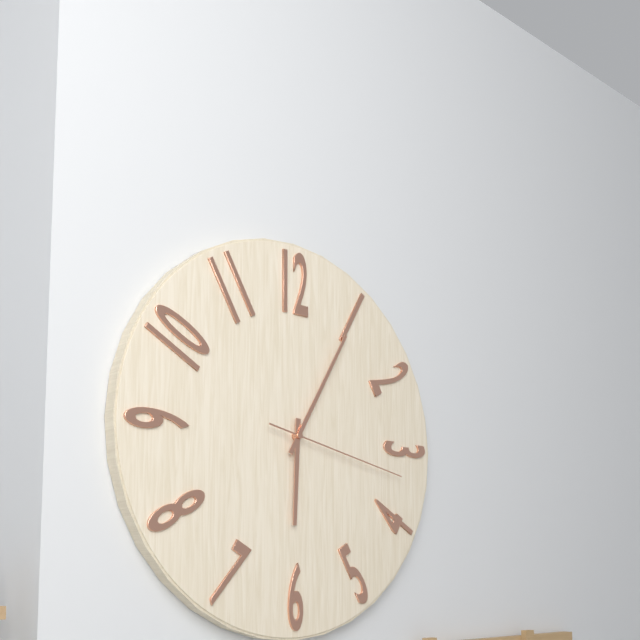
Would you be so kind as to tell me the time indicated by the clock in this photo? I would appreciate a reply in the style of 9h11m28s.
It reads 6h05m17s
